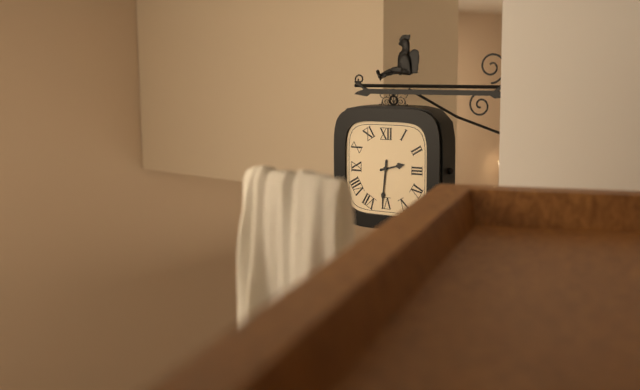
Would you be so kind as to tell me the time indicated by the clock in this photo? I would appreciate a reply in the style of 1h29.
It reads 2h31
